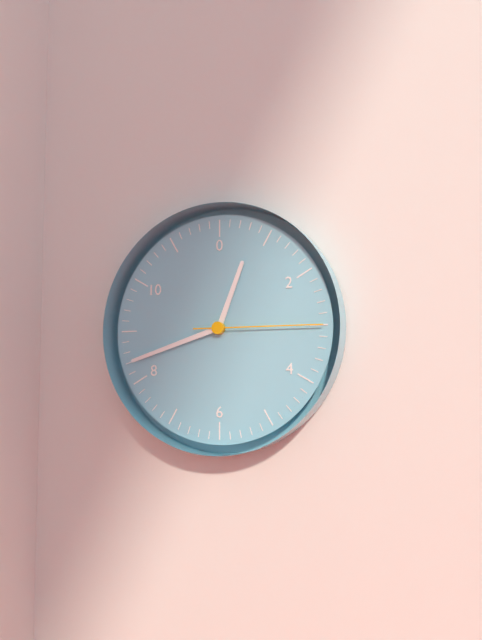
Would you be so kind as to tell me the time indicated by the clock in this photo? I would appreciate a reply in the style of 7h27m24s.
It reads 12h42m15s
